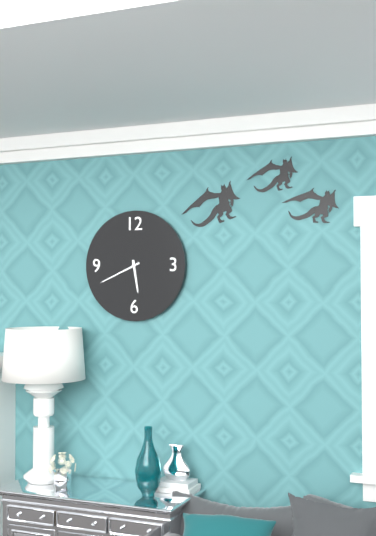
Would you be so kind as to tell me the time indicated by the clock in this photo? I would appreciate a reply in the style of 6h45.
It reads 5h41
